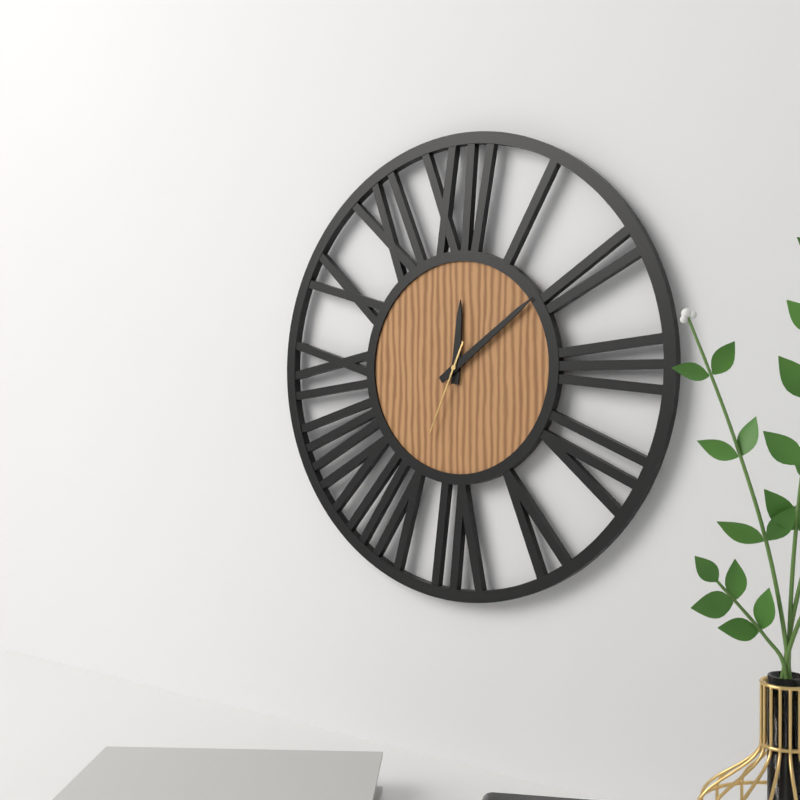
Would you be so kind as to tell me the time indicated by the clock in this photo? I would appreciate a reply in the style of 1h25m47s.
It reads 12h09m34s
